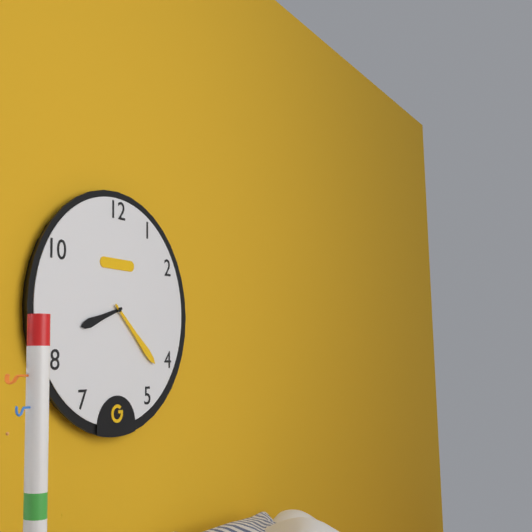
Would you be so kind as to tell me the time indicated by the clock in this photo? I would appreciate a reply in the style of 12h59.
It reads 8h22
